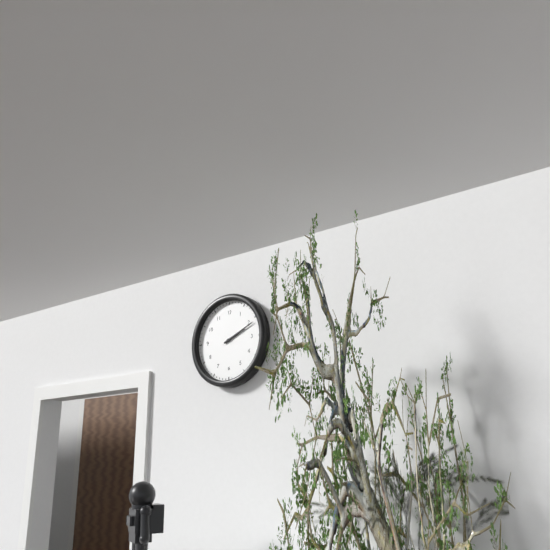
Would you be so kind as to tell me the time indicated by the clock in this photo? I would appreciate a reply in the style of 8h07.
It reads 2h11
